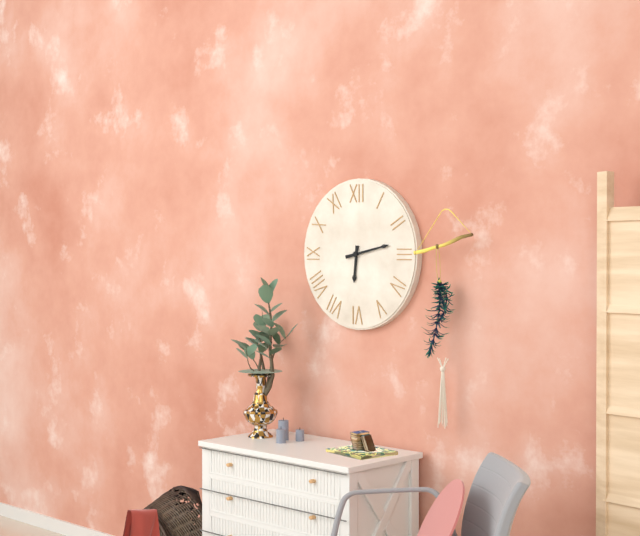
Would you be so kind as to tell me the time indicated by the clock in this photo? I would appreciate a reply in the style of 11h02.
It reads 6h13
